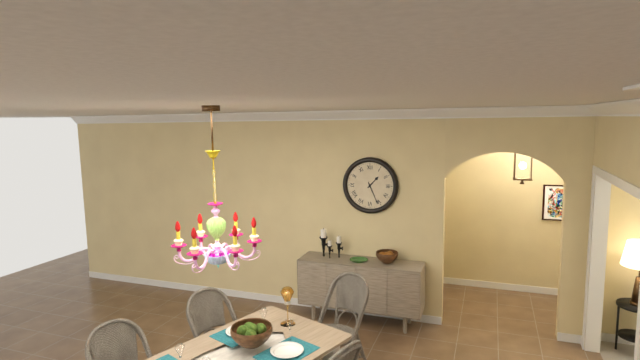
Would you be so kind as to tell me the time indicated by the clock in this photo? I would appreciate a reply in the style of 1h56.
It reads 1h26
